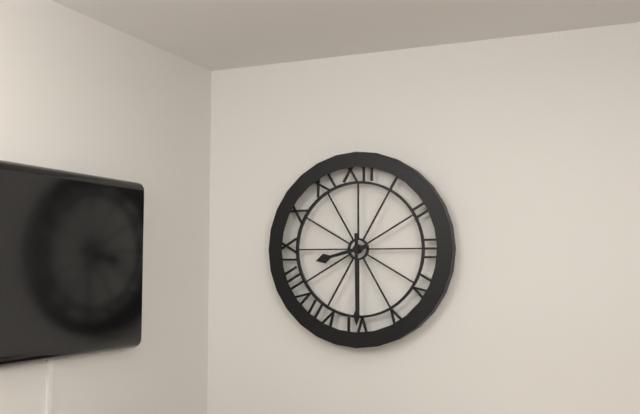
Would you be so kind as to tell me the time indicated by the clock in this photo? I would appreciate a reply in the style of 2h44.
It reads 8h30
